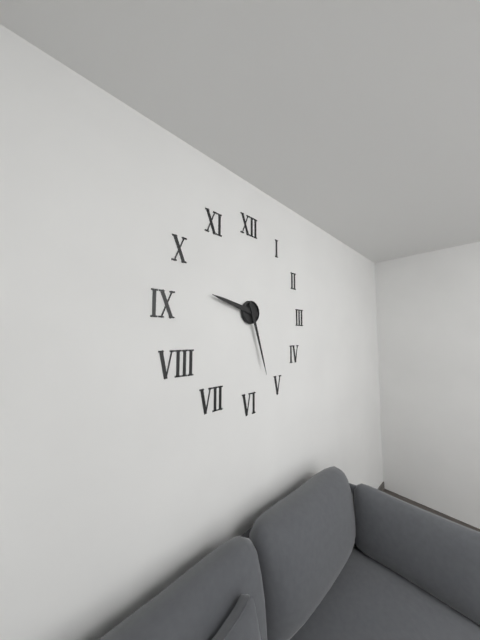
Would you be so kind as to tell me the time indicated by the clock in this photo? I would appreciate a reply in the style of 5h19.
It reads 9h27
